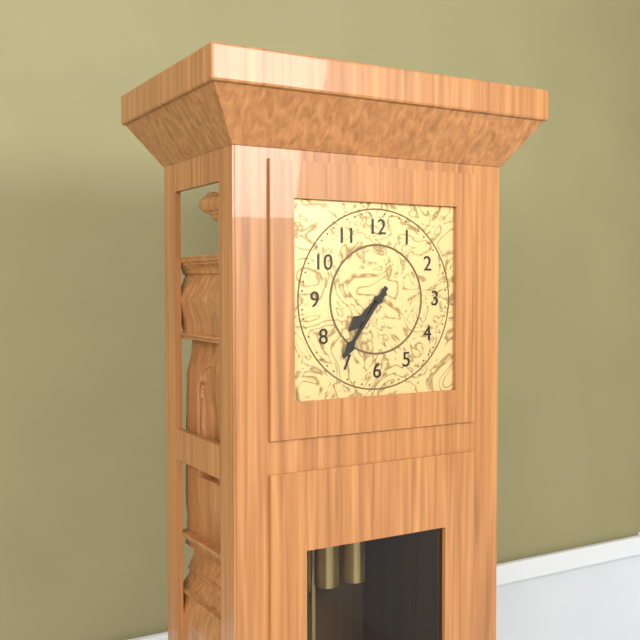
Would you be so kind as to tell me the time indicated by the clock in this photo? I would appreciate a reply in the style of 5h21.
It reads 7h36
